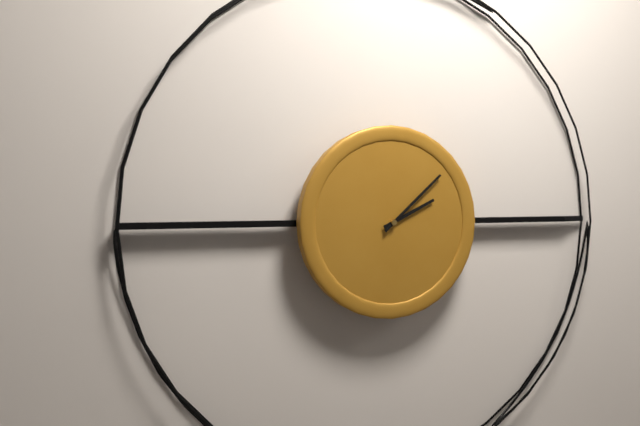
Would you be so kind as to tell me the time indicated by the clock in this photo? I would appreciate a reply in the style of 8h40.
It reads 2h08
